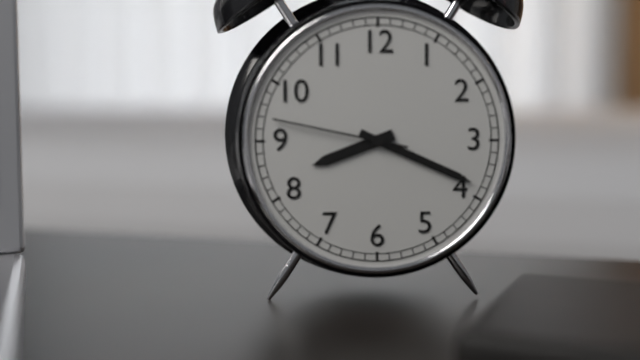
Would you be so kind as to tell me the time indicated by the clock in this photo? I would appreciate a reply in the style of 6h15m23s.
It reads 8h19m47s
